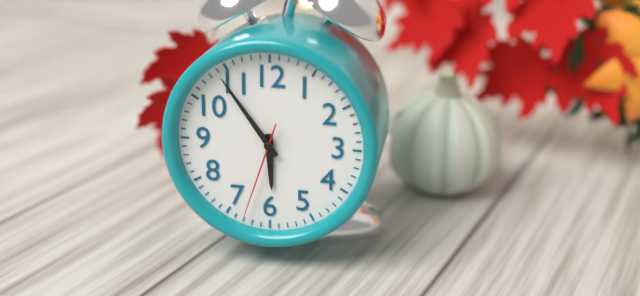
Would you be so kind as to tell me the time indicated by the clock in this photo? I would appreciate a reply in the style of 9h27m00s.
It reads 5h54m33s
